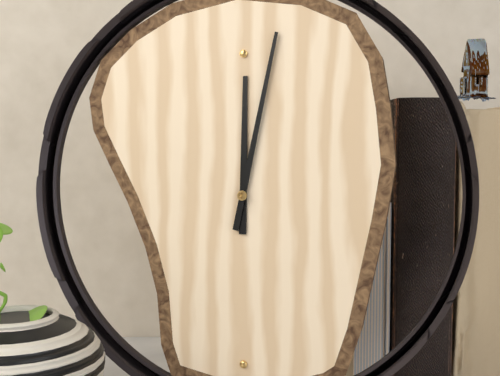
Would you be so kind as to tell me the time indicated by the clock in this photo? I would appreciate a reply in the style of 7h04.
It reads 12h02
